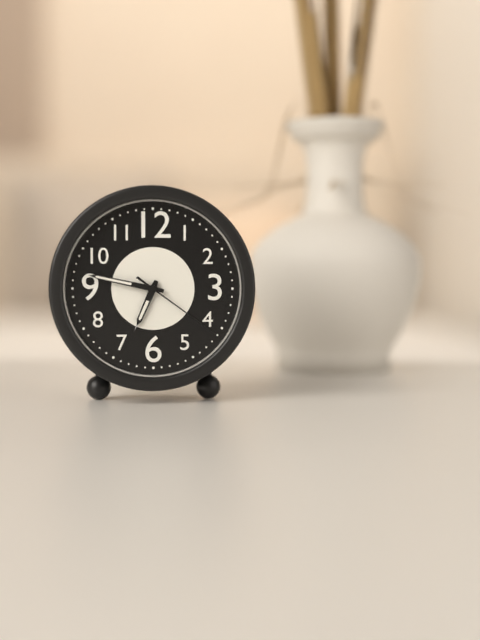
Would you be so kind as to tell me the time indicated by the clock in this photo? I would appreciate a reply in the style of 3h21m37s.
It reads 6h47m21s
